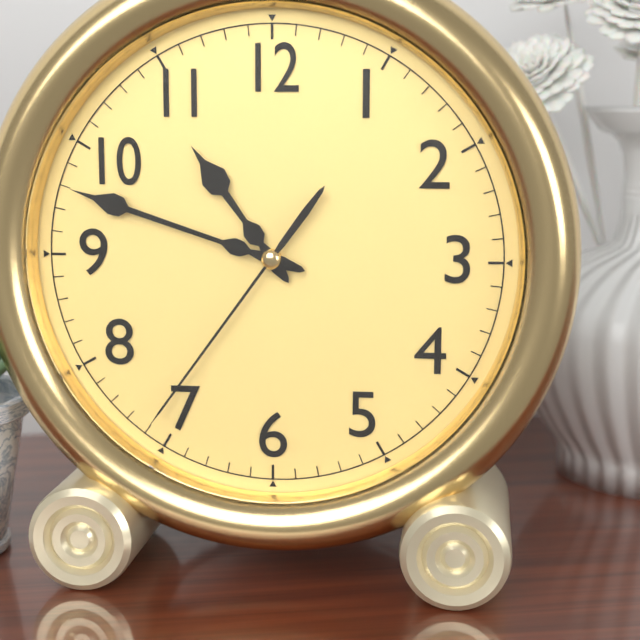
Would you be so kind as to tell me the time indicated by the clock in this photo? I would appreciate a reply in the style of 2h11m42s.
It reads 10h48m36s
